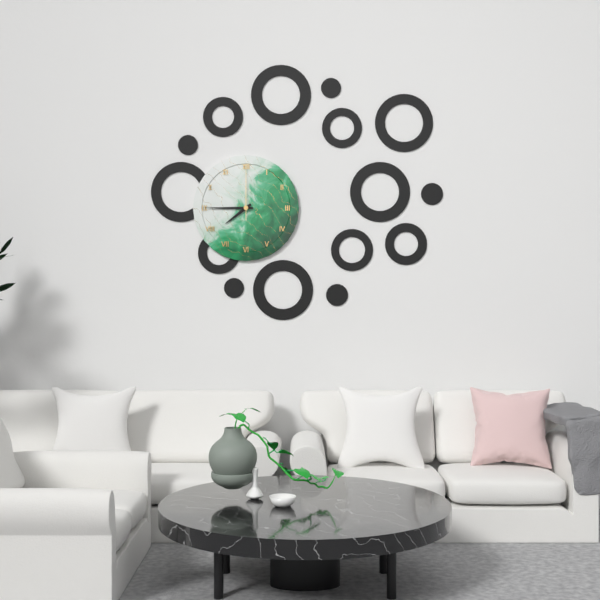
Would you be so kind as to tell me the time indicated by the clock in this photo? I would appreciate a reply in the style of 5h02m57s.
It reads 7h45m00s
